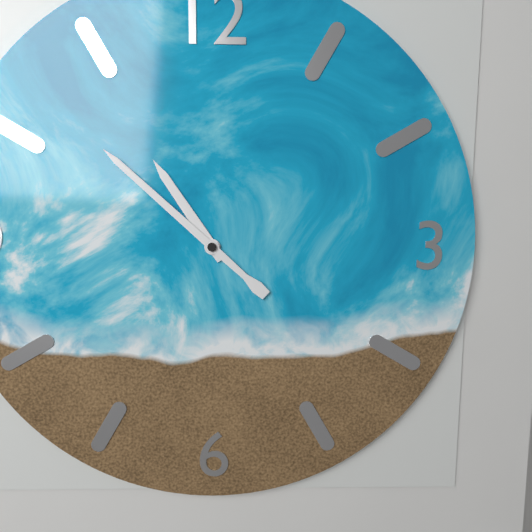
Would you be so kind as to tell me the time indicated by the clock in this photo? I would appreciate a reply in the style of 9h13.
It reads 10h52
